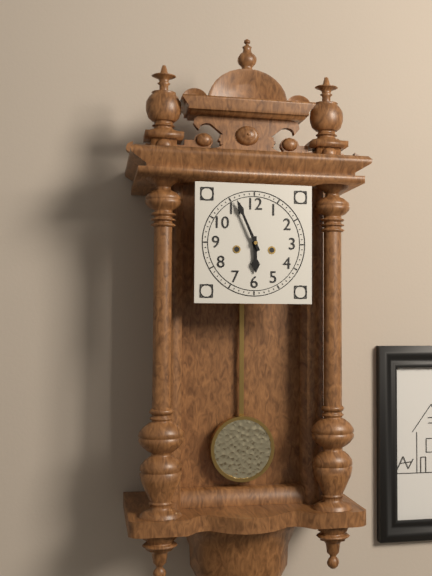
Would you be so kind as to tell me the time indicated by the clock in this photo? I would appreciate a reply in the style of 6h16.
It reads 5h56
